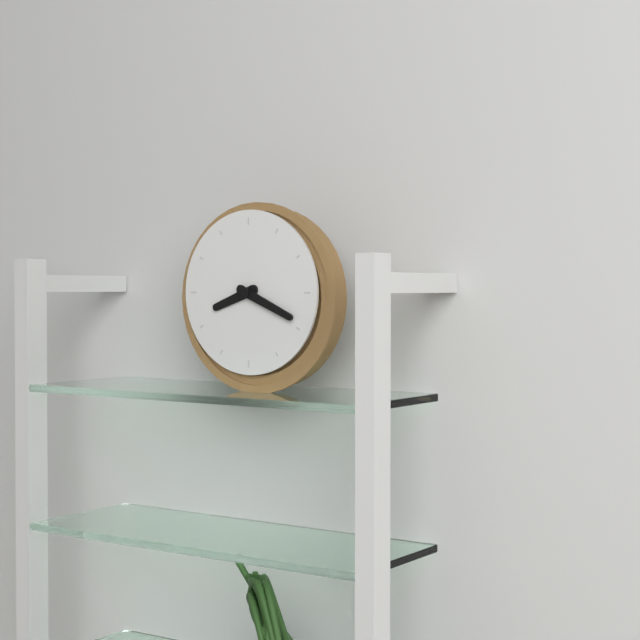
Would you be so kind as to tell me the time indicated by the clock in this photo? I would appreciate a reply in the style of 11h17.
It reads 8h19
